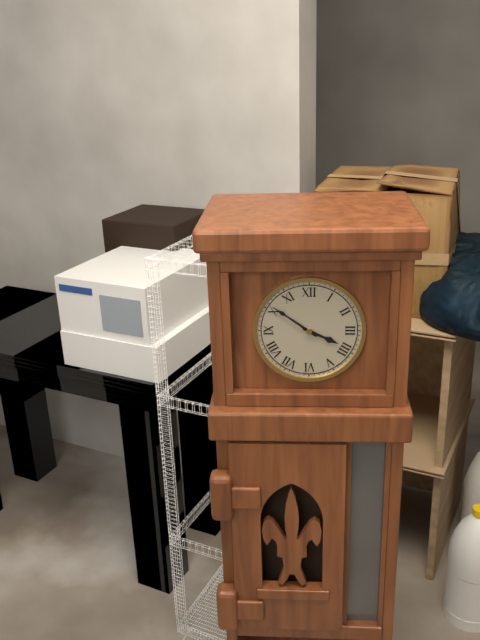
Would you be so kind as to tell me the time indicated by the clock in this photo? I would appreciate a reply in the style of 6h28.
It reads 3h51
